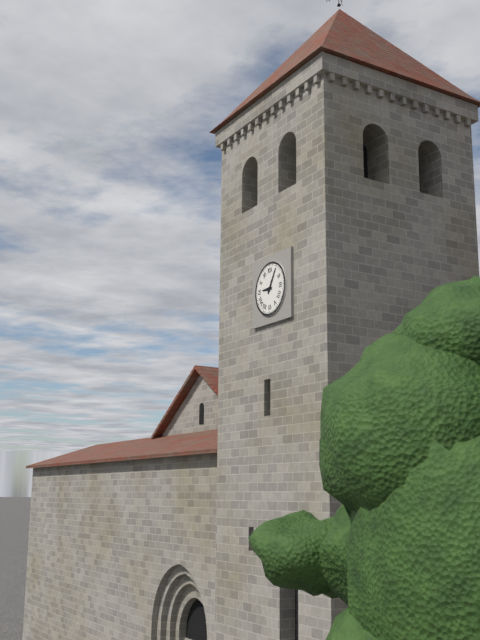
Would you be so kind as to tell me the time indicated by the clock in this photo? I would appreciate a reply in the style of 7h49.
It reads 9h05
